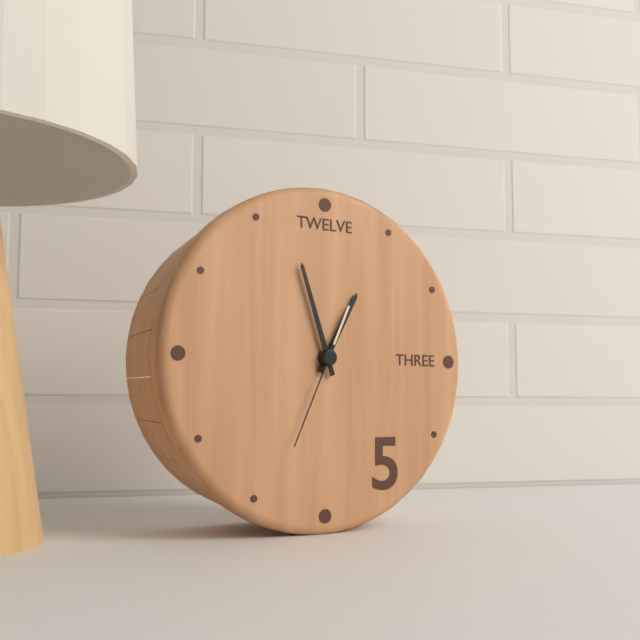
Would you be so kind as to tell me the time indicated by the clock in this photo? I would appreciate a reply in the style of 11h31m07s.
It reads 12h57m34s
